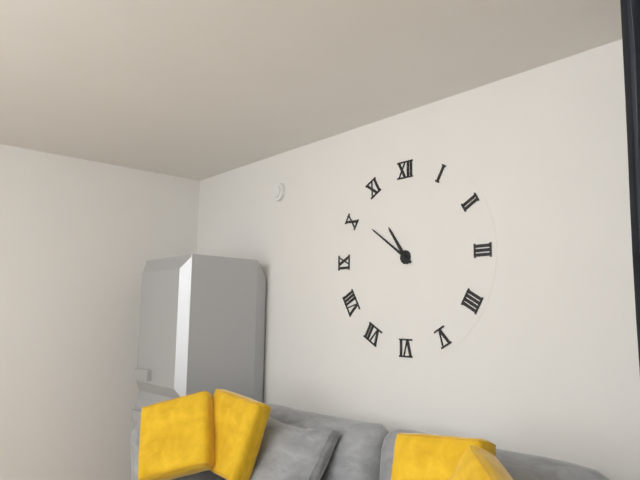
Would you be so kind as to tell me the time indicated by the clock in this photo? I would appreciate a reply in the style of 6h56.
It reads 10h51
